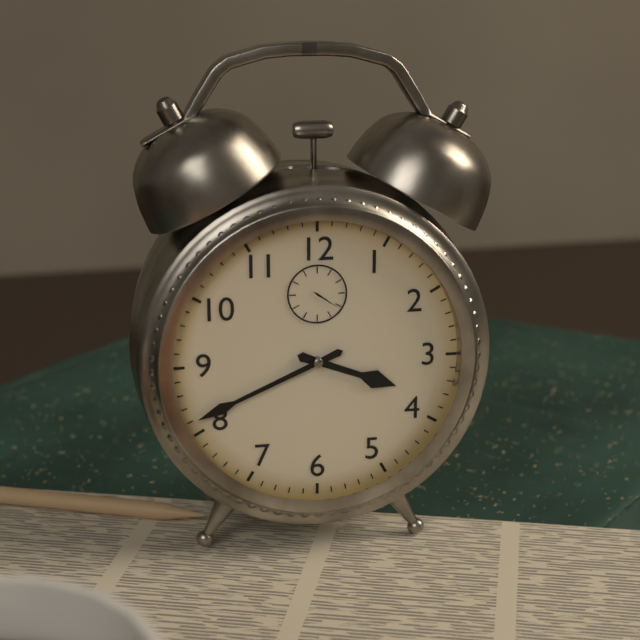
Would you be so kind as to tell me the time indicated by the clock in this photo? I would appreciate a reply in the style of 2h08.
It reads 3h41
